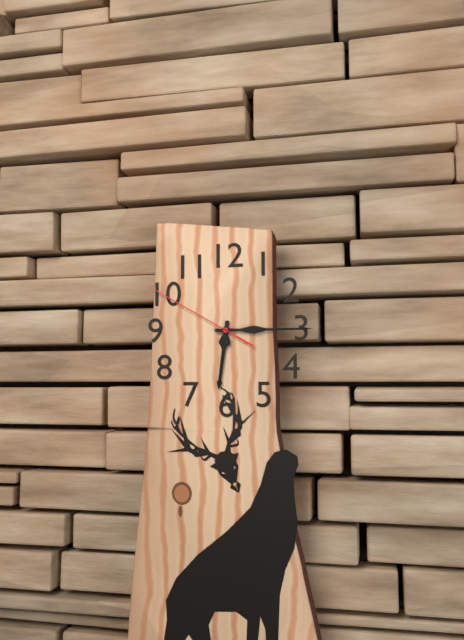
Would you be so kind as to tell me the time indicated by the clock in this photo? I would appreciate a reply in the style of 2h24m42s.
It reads 6h15m50s
